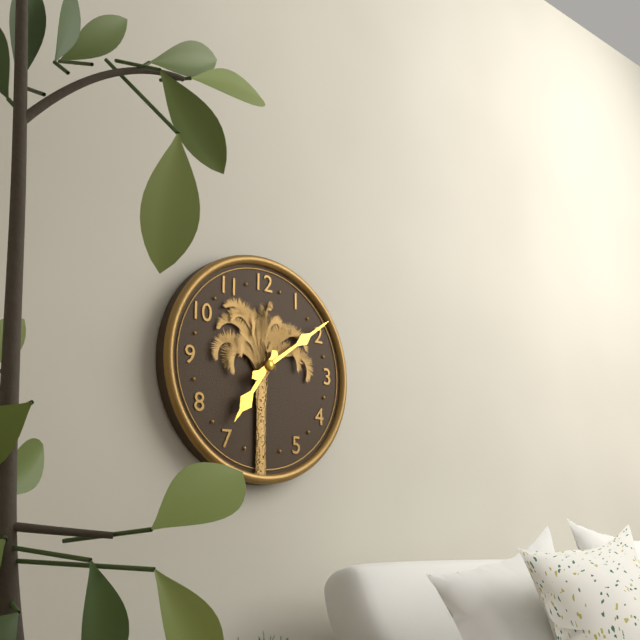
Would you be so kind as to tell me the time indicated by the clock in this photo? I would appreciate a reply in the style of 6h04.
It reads 7h09
